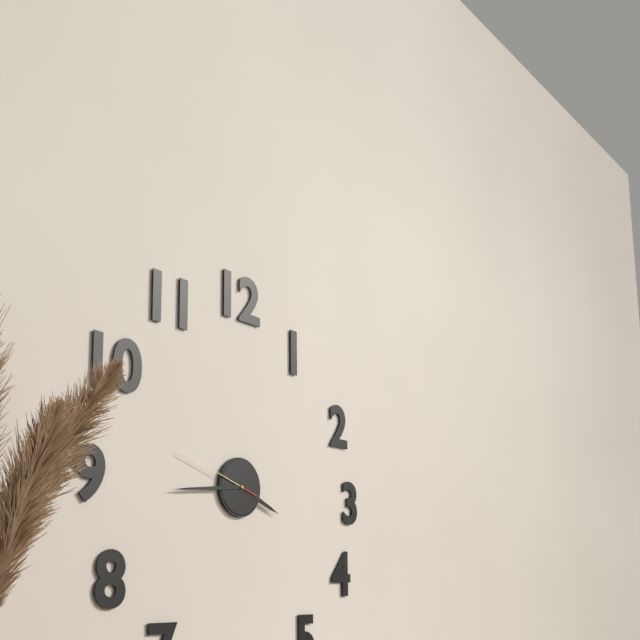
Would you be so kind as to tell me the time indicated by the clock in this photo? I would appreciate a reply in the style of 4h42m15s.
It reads 3h44m48s
